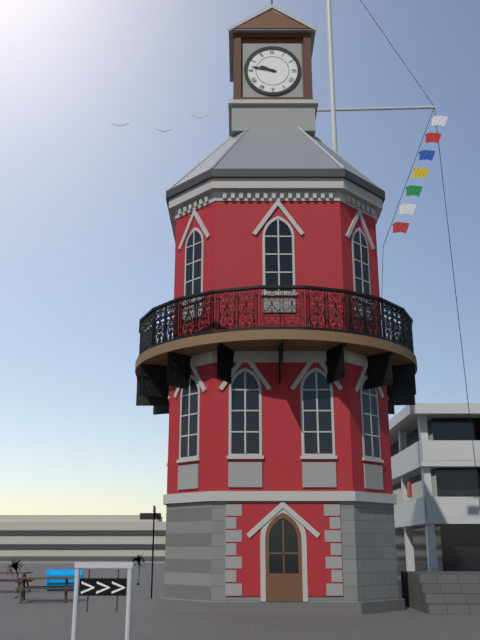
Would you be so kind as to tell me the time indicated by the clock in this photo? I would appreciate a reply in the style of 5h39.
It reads 9h47
